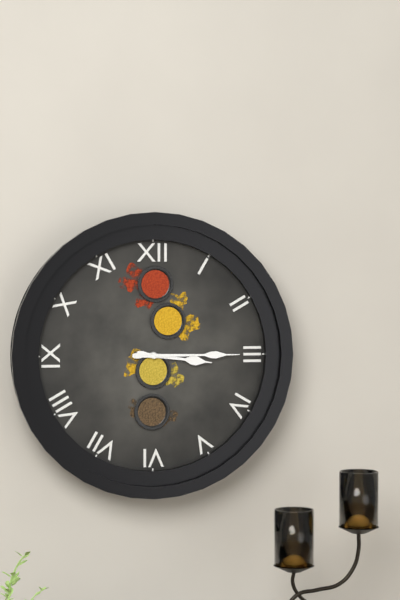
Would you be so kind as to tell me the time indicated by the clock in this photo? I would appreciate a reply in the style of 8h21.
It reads 3h15
